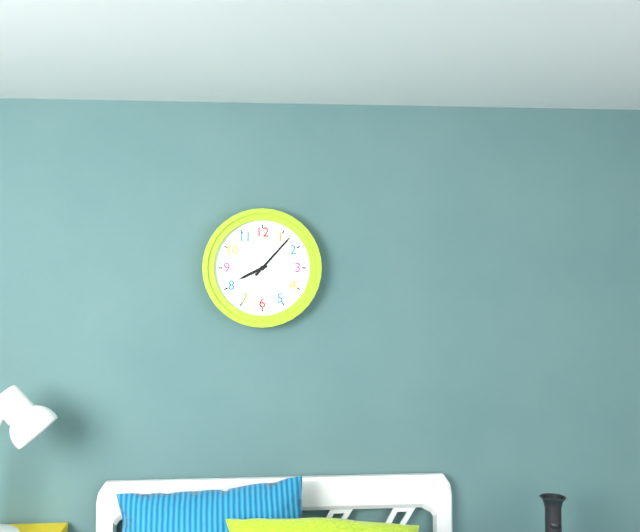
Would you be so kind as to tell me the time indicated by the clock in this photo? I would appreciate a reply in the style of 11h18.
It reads 8h07
